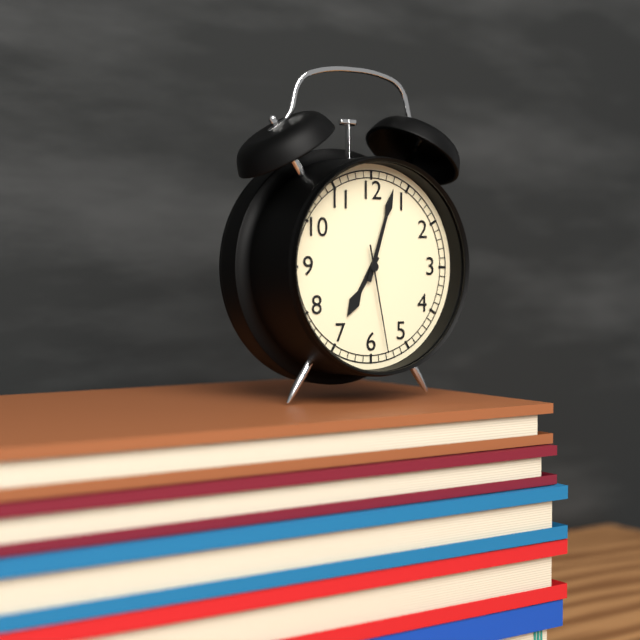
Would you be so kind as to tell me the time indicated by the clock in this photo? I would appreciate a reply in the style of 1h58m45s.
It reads 7h03m28s
